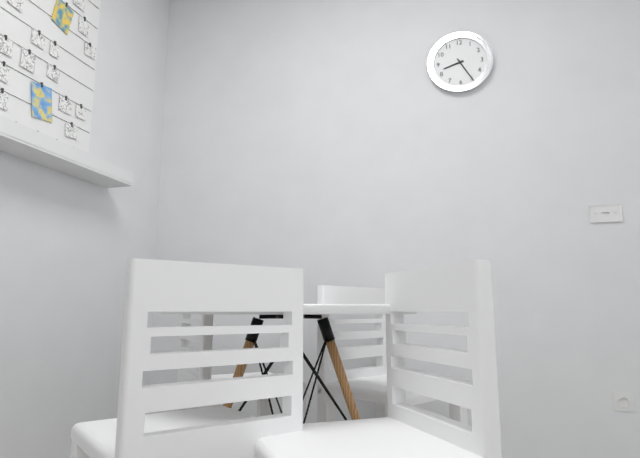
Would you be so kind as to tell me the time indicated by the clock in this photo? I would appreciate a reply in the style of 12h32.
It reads 8h25
